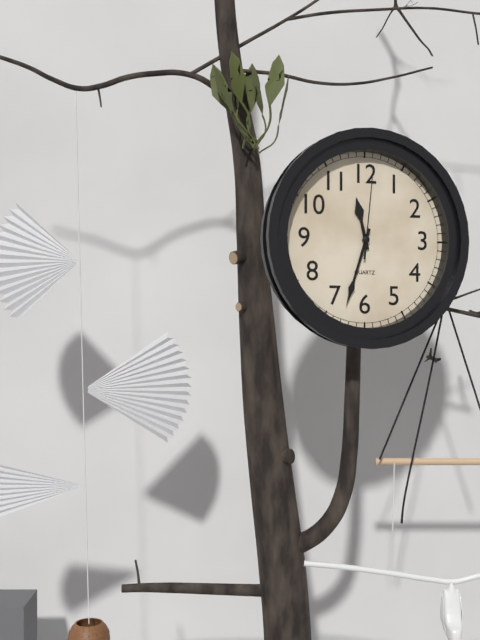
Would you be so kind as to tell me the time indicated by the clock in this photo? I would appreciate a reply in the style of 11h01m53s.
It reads 11h33m01s
